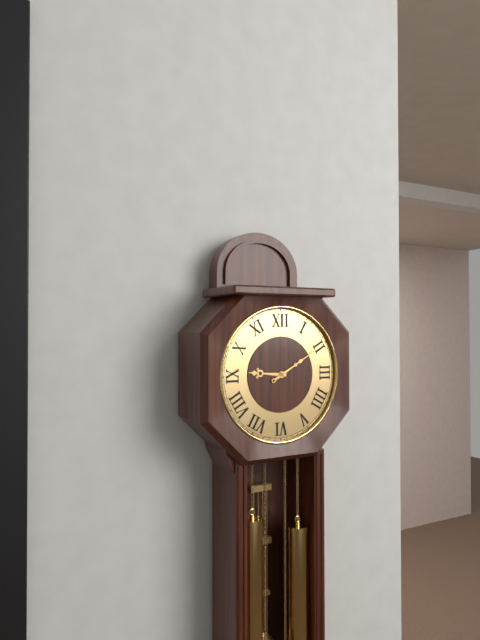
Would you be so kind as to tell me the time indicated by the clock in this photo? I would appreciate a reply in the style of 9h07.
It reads 9h10
